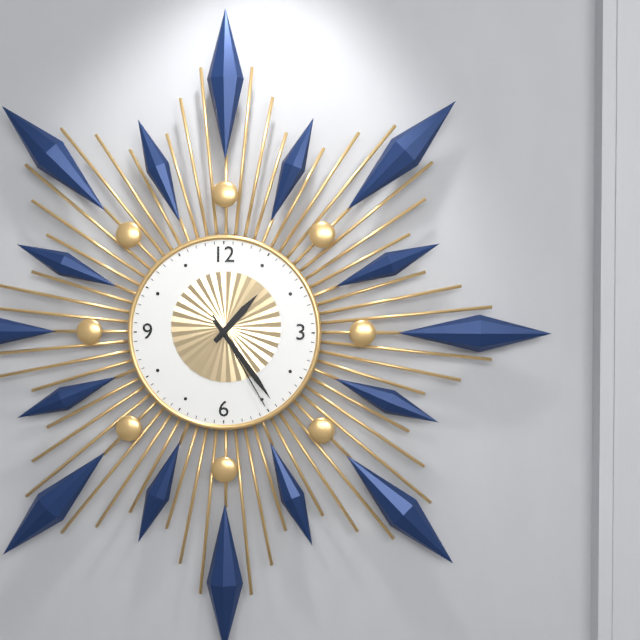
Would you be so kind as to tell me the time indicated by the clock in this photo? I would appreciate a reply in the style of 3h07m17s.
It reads 1h24m25s
